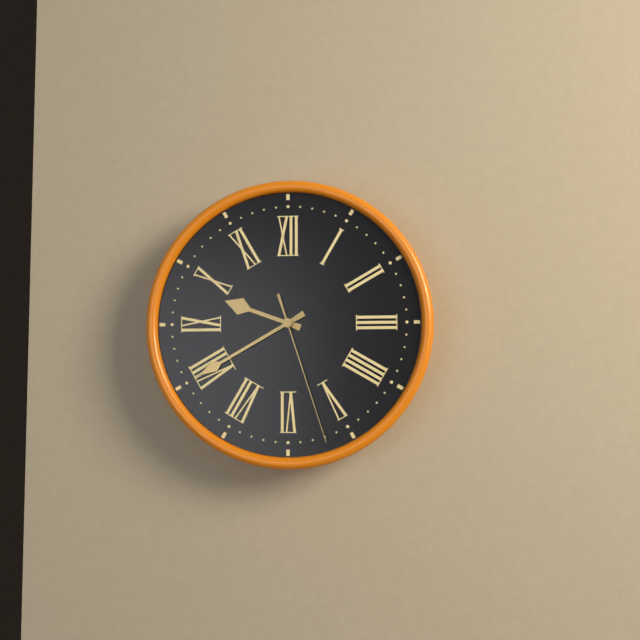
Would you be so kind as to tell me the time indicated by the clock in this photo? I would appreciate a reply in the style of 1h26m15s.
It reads 9h40m27s
